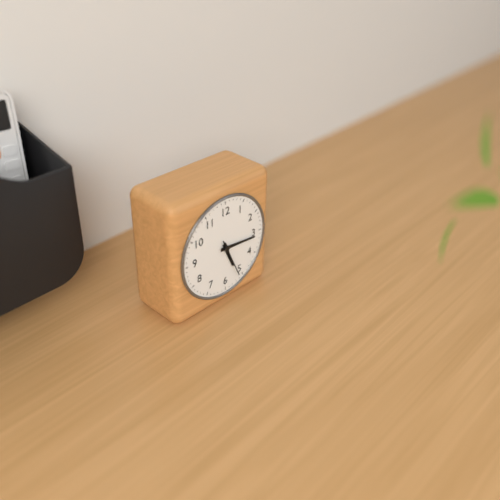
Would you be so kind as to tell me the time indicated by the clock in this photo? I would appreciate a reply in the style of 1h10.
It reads 5h16
